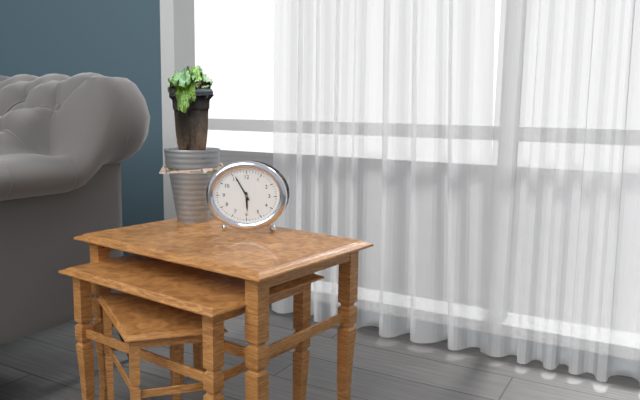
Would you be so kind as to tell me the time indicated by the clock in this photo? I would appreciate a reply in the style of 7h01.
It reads 5h55
